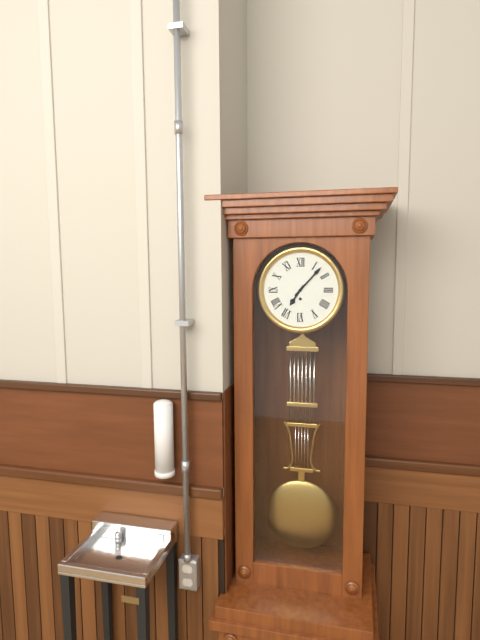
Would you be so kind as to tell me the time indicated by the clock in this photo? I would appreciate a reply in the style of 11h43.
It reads 7h07
